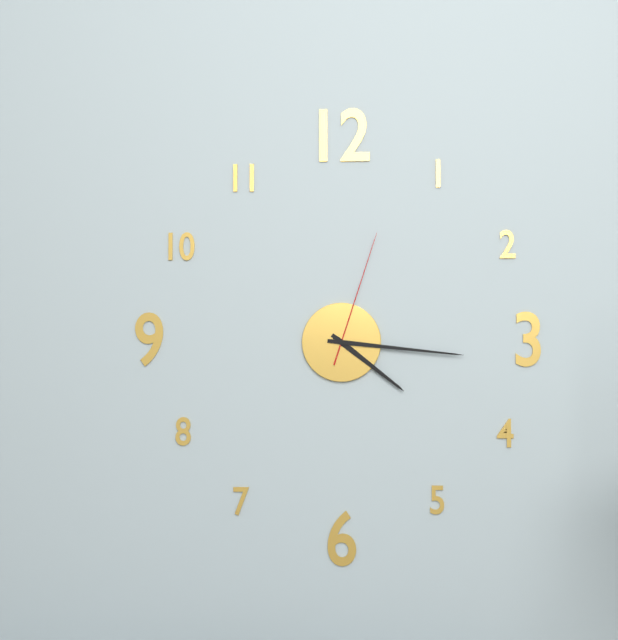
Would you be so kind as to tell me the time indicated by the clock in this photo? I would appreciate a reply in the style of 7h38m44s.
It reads 4h16m03s
